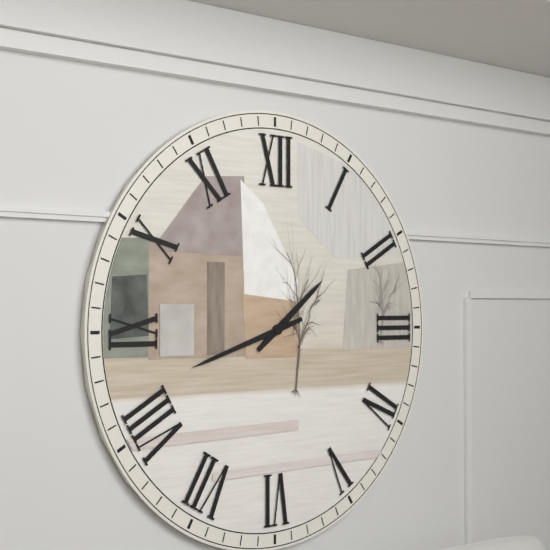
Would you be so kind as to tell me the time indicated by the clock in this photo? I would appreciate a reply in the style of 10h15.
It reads 1h42
